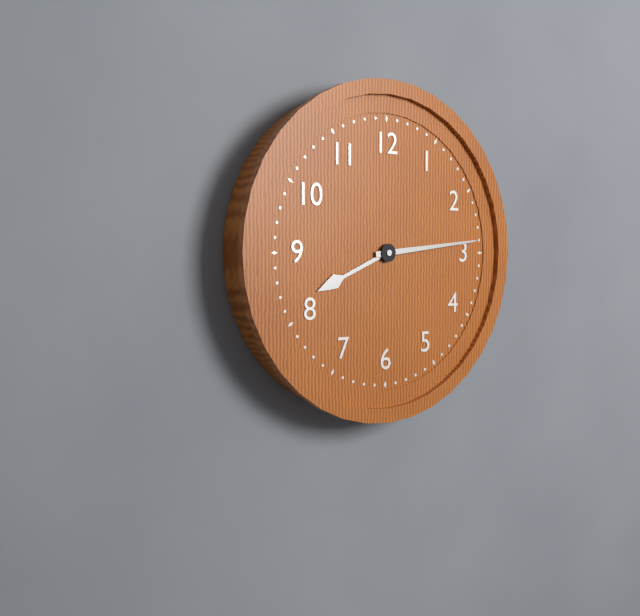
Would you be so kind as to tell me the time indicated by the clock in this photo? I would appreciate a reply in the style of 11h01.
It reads 8h14
